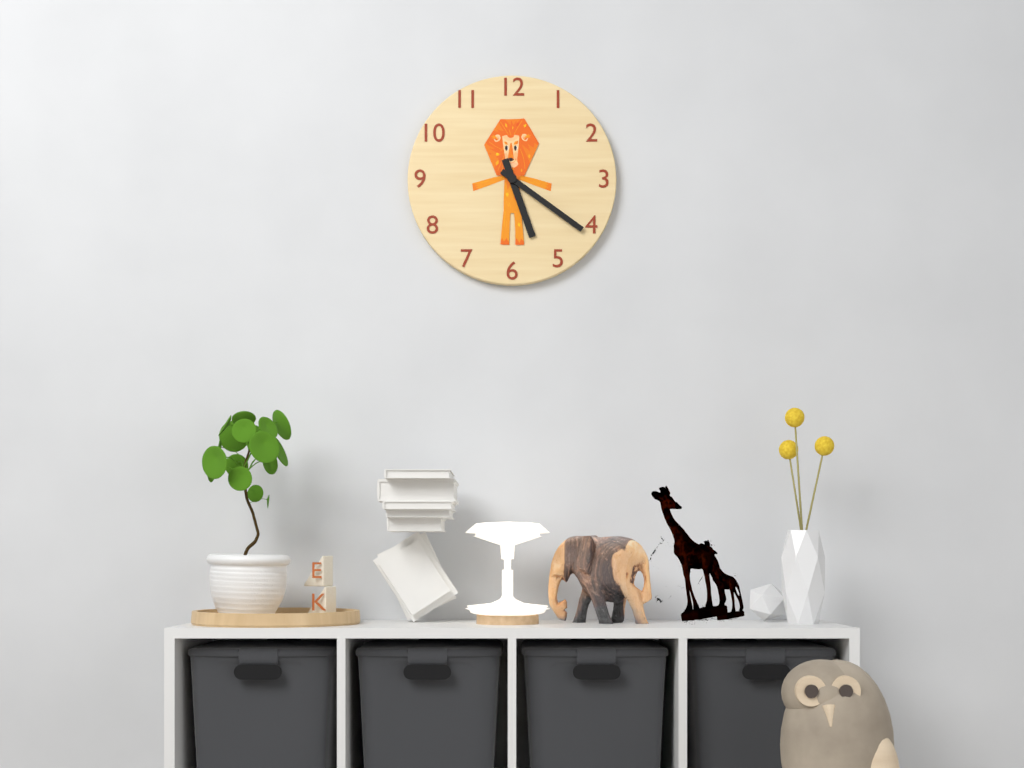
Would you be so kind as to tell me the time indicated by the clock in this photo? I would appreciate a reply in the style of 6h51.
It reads 5h21
